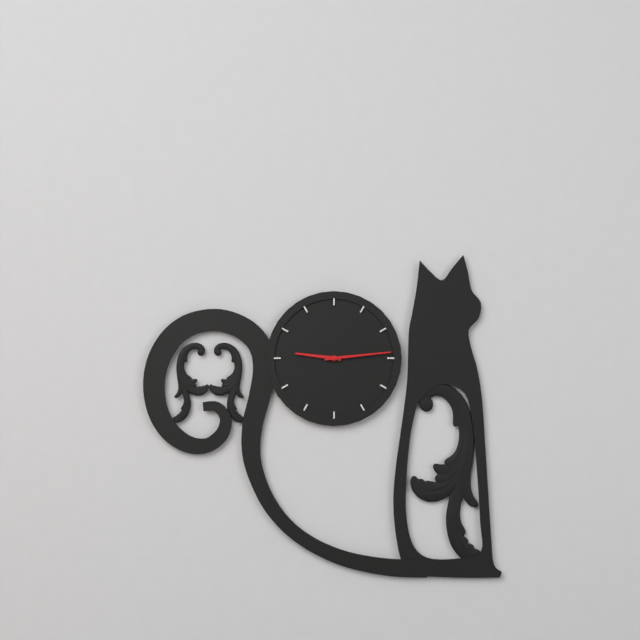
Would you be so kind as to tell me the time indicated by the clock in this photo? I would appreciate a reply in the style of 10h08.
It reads 9h14
